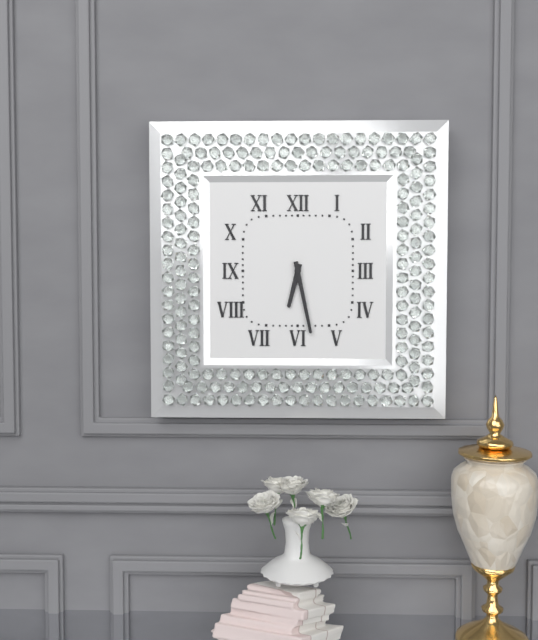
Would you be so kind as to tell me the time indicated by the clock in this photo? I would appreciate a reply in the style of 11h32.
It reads 6h28
